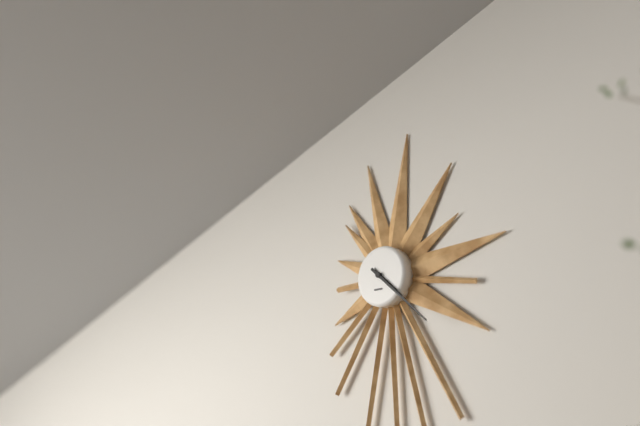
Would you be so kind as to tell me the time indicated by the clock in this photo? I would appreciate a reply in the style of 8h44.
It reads 4h22
